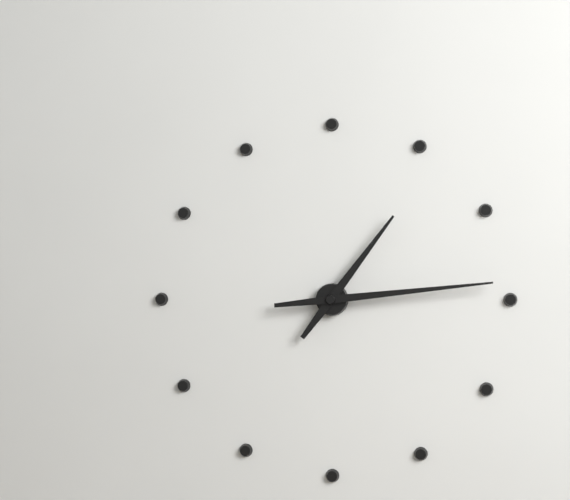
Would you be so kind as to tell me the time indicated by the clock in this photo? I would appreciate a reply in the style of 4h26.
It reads 1h14
